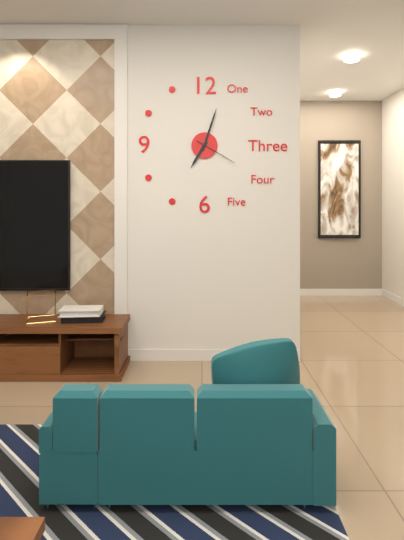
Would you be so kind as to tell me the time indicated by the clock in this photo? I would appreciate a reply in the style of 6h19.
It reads 7h03
